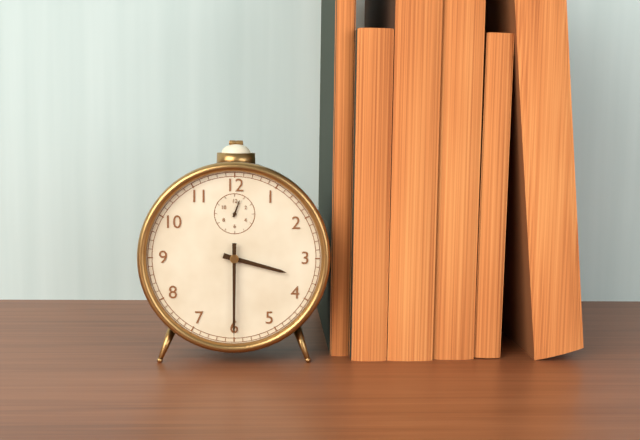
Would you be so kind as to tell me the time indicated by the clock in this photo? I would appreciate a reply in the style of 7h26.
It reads 3h30
